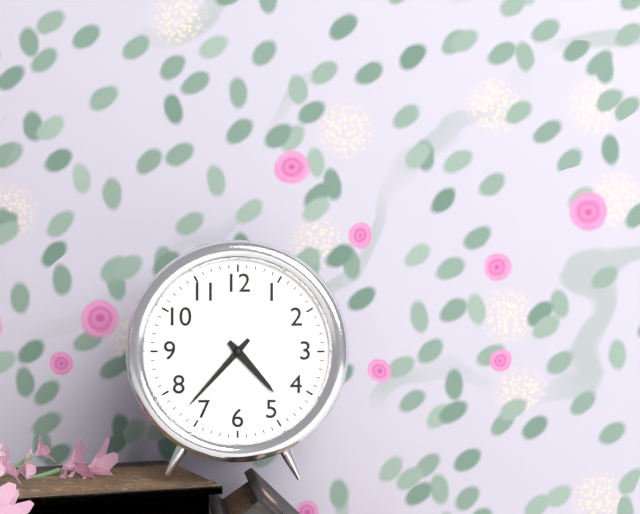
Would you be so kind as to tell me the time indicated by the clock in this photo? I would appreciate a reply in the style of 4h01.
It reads 4h37
